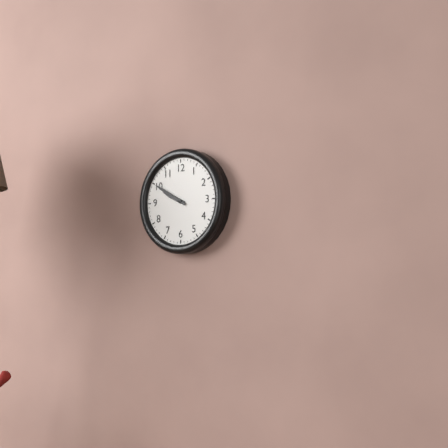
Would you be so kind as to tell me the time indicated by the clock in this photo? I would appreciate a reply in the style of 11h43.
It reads 9h50
